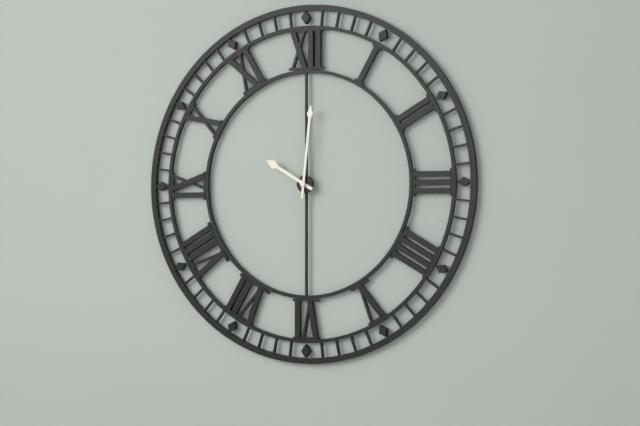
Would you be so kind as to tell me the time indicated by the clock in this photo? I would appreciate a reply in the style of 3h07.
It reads 10h01
